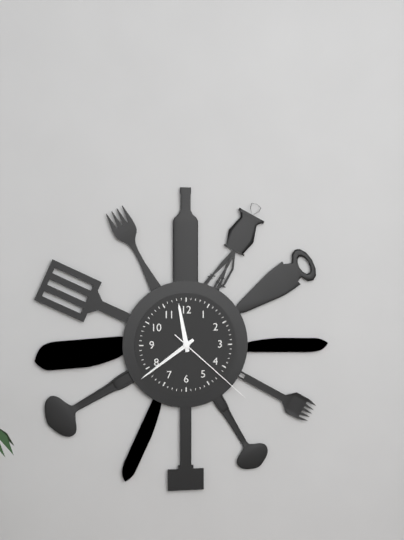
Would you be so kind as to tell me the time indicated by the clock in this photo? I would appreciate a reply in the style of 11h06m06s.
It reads 11h39m22s
